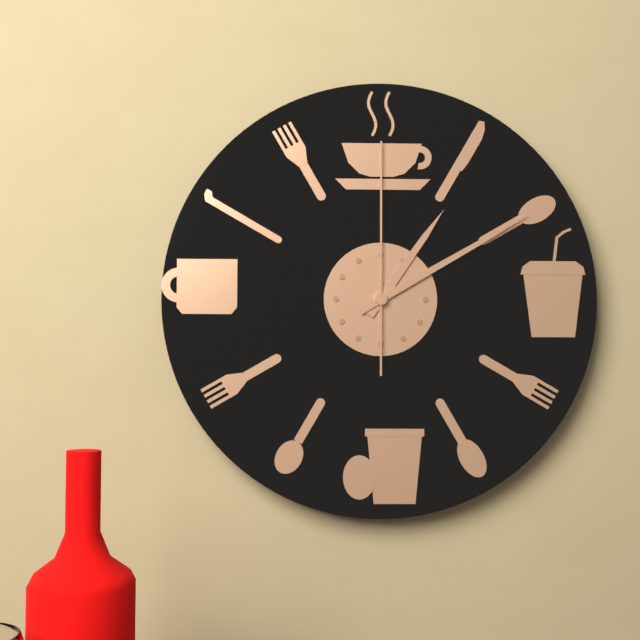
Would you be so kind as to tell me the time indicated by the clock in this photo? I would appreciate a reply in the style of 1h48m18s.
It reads 1h10m00s
